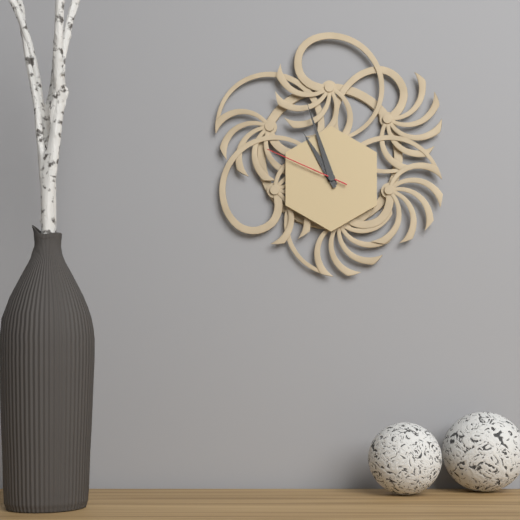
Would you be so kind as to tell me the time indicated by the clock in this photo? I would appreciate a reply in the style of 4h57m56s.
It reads 10h57m49s
